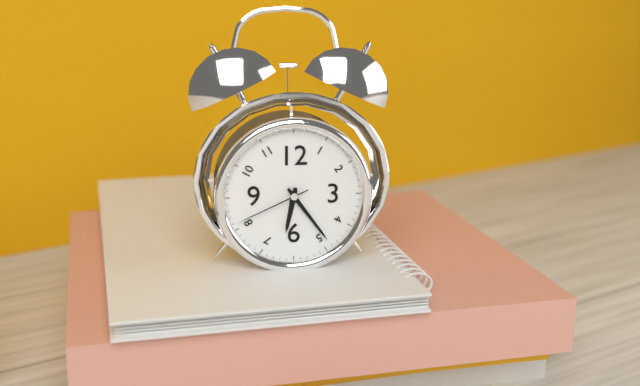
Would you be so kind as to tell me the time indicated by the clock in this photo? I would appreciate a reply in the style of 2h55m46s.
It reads 6h24m41s
